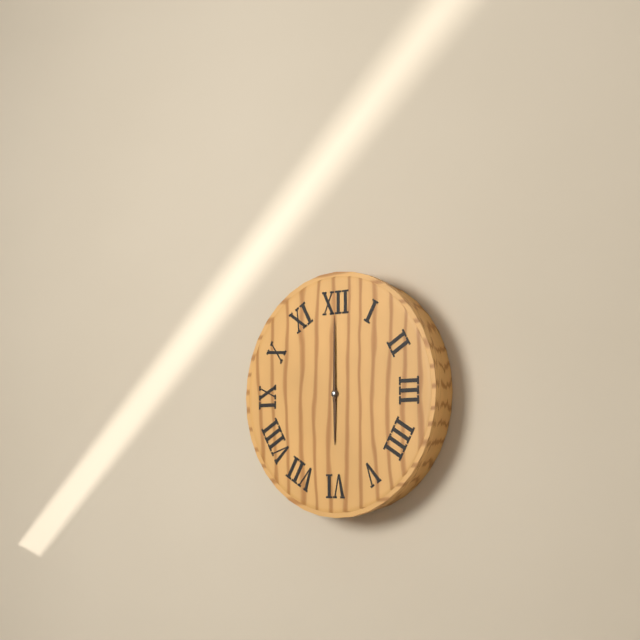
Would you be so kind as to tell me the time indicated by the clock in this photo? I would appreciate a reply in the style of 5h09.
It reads 6h00
